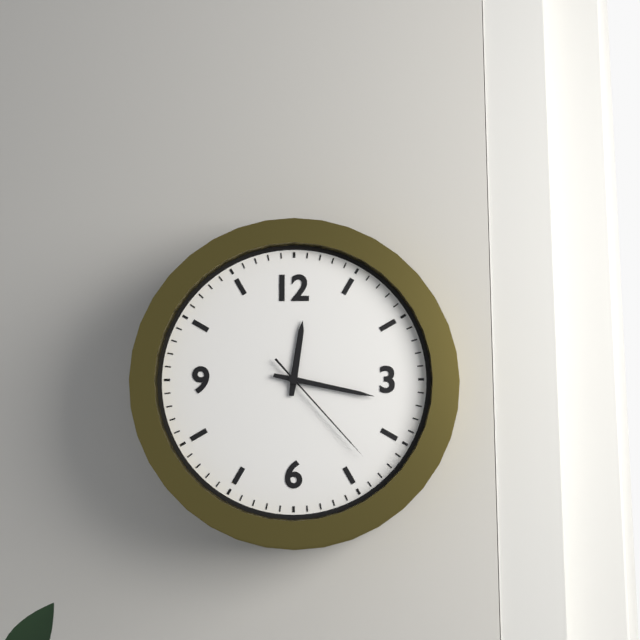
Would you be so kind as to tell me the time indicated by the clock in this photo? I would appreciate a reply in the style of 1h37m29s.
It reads 12h17m23s
